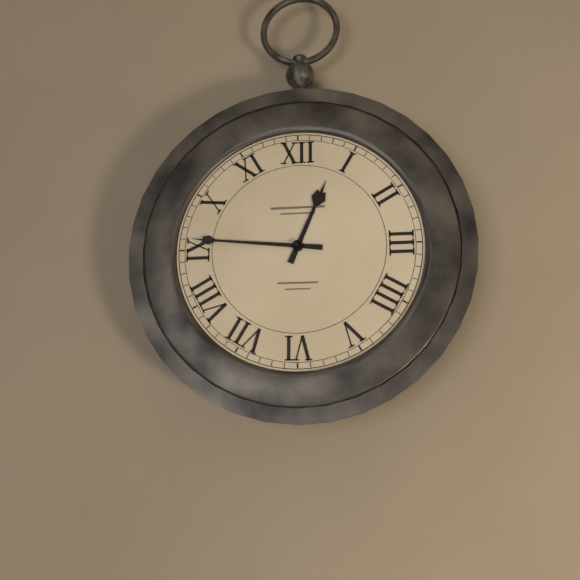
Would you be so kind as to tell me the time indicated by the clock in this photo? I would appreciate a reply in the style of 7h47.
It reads 12h46
